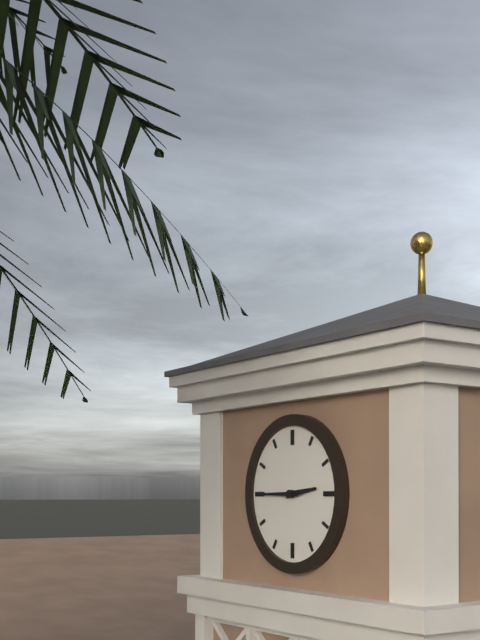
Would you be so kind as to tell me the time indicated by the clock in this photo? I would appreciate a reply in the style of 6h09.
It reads 2h45
